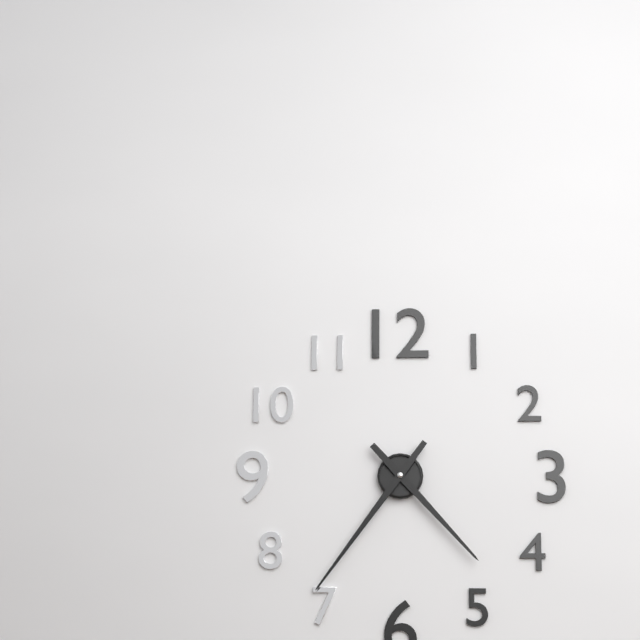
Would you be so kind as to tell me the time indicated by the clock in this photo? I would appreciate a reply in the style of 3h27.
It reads 4h36
